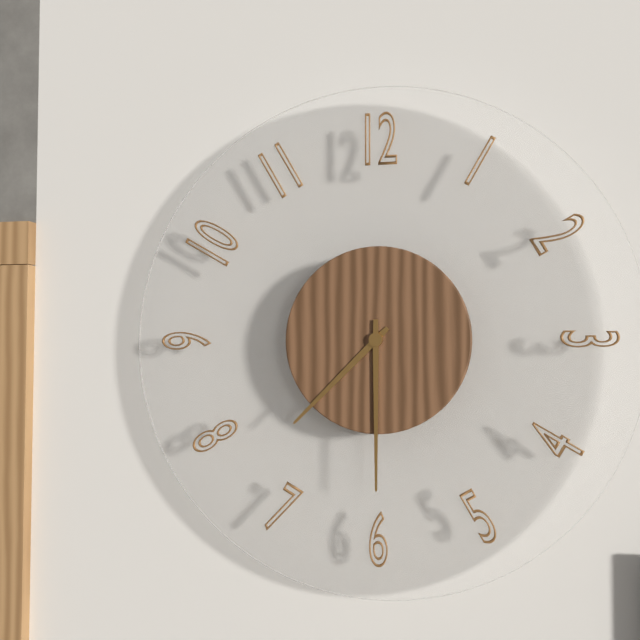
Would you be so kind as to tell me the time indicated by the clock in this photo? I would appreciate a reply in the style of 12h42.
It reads 7h30
